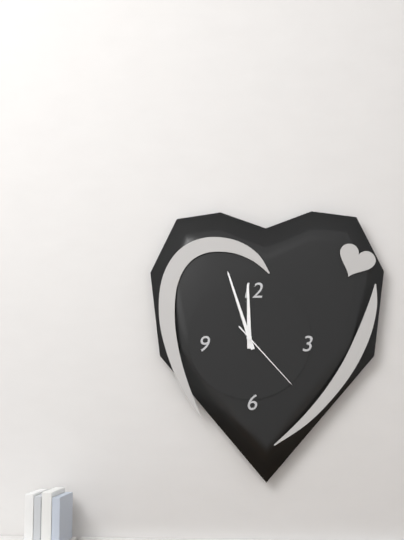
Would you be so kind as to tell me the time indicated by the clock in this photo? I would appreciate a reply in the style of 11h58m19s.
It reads 11h57m23s
